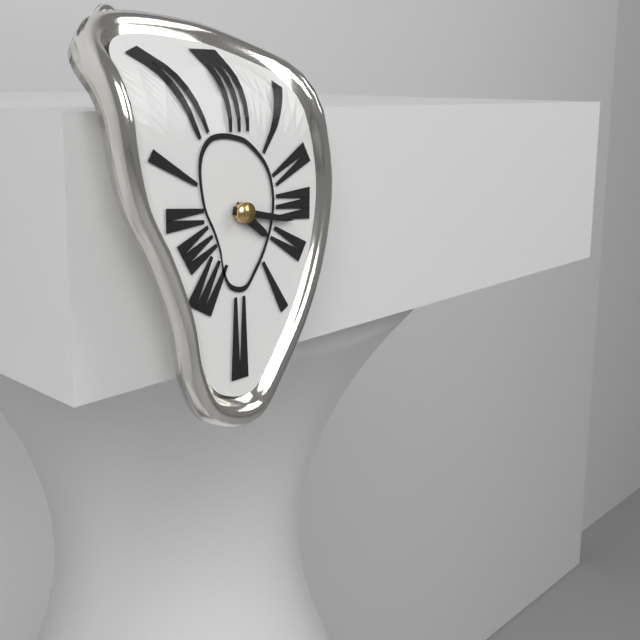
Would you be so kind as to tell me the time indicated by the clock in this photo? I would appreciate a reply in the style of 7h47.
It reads 4h17
